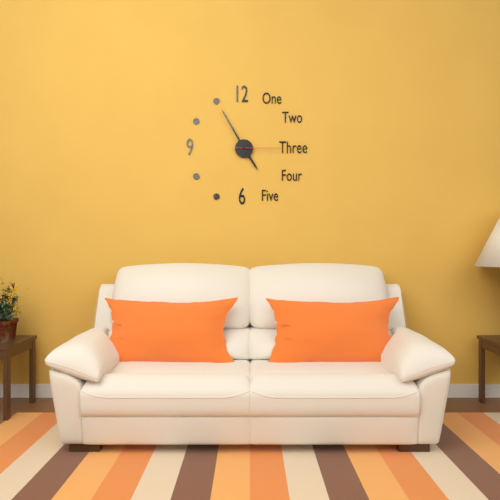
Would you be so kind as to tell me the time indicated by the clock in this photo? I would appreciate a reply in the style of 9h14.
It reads 4h55
